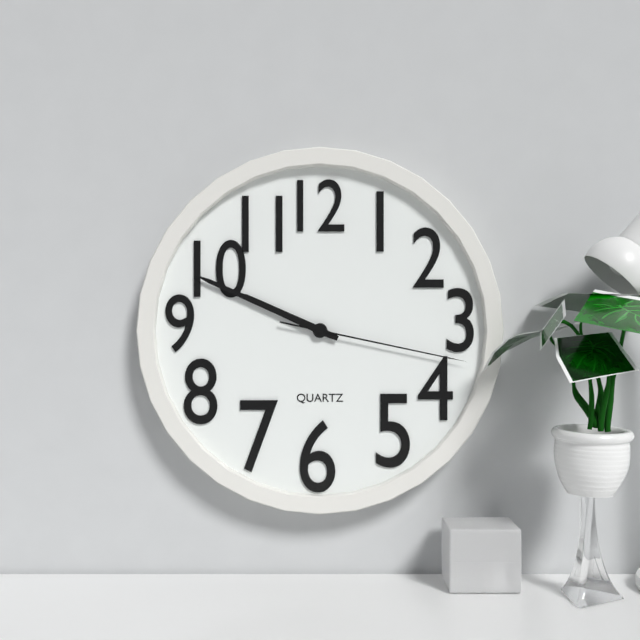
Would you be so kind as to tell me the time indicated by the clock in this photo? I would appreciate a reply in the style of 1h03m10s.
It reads 9h49m17s
